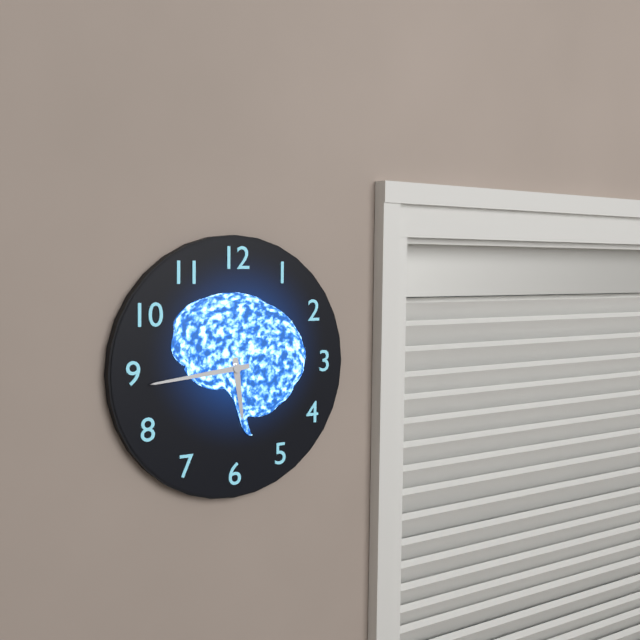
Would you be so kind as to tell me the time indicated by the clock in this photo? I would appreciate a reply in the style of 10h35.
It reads 5h44
